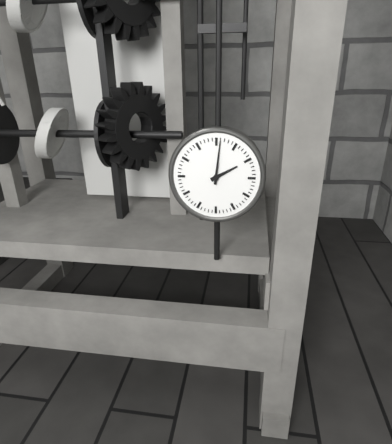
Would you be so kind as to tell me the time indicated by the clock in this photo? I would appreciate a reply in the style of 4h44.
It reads 2h01
